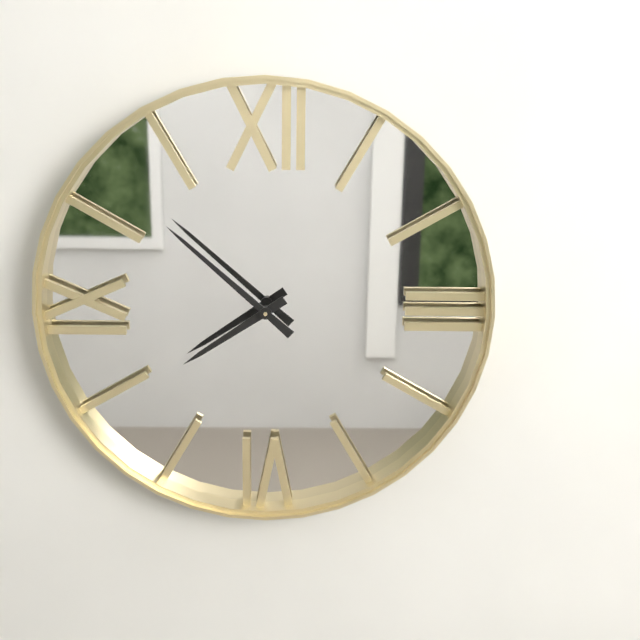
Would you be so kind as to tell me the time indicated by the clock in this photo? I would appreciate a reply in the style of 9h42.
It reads 7h52
